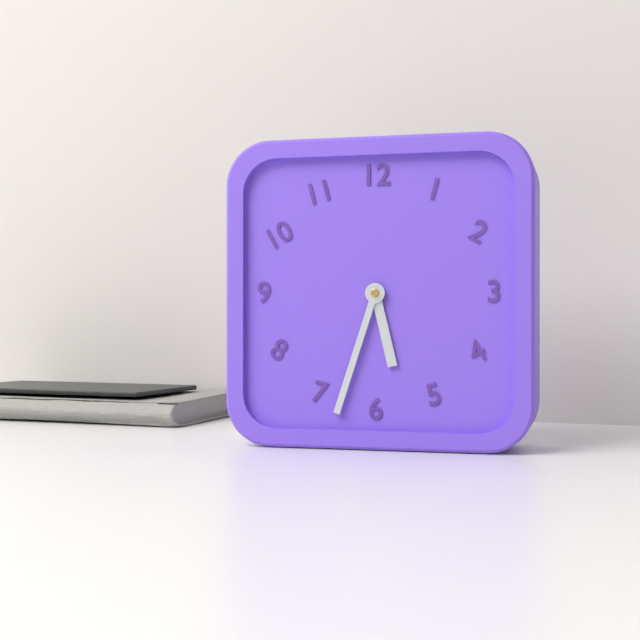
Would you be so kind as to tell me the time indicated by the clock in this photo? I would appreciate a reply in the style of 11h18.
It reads 5h33
